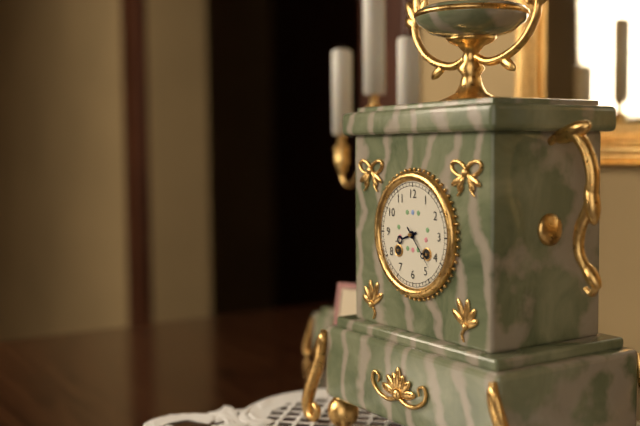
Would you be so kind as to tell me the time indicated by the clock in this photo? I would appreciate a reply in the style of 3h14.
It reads 8h23
